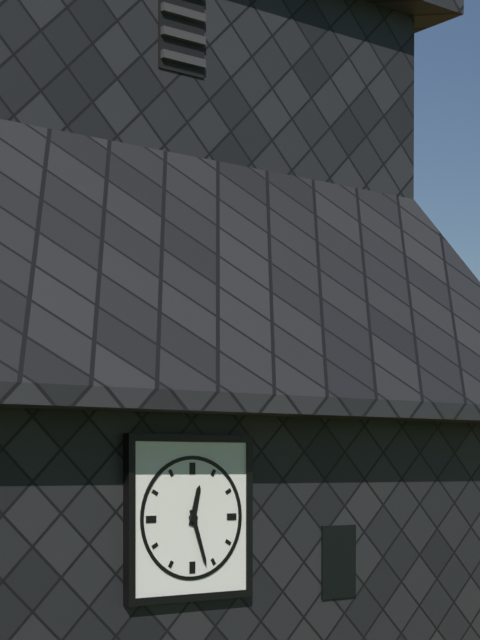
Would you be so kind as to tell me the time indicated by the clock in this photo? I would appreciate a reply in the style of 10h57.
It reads 12h27
